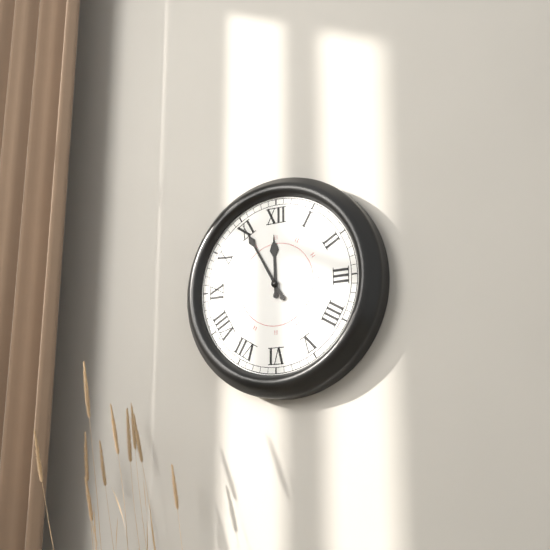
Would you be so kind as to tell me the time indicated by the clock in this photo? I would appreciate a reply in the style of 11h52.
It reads 11h55
